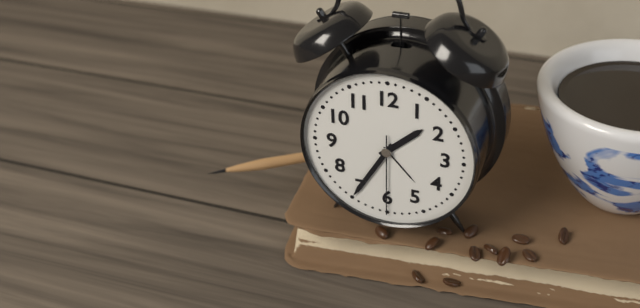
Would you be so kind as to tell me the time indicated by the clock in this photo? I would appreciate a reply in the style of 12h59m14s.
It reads 1h35m30s
